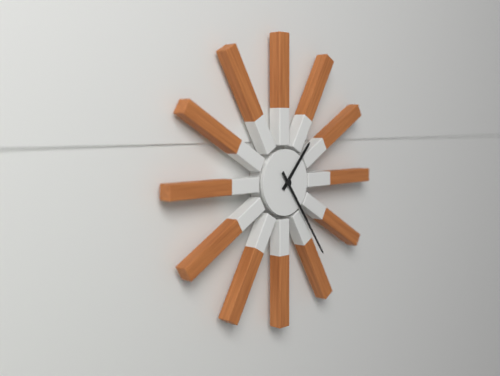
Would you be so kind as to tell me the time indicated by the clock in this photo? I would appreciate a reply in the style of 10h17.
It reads 1h24
